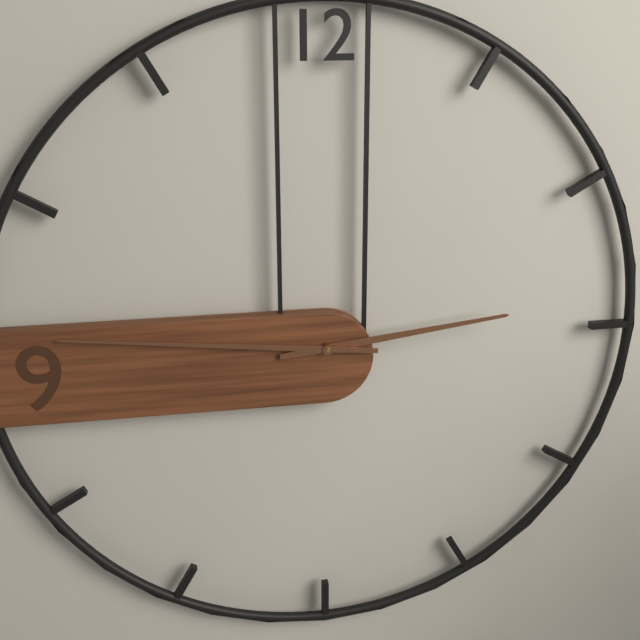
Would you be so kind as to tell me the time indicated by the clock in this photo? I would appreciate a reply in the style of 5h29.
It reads 2h46
